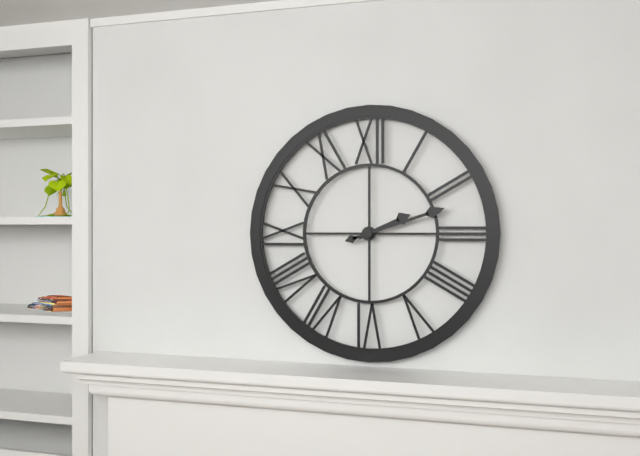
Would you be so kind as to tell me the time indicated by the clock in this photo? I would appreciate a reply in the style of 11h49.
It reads 2h12
